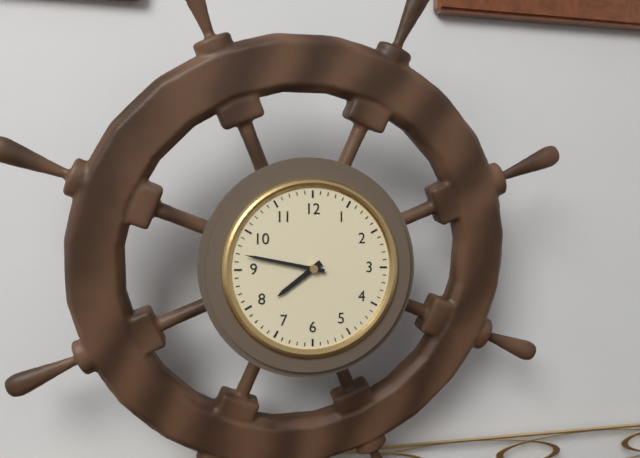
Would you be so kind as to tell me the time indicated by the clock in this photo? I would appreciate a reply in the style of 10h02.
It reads 7h47
